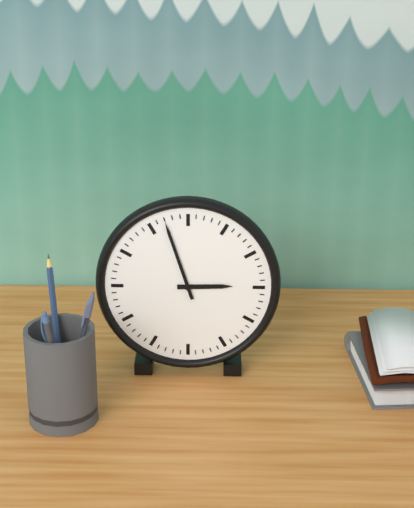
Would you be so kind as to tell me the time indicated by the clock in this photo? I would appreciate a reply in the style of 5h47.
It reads 2h57
